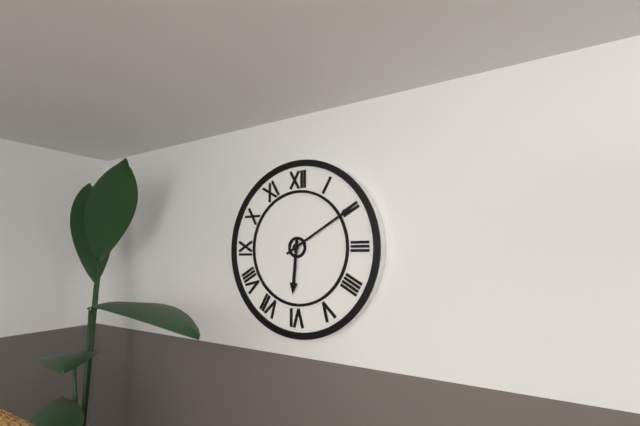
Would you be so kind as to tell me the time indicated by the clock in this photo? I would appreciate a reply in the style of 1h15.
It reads 6h10
